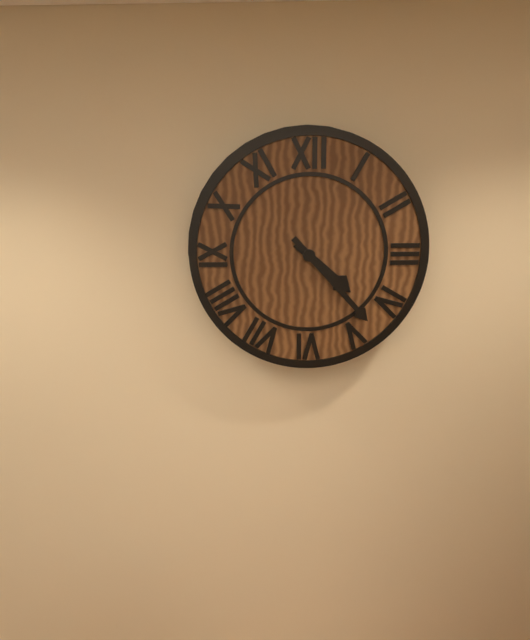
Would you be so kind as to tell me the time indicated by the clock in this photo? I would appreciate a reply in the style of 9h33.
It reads 4h23
